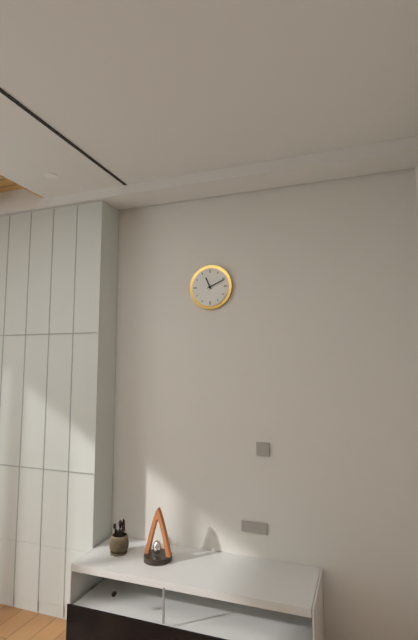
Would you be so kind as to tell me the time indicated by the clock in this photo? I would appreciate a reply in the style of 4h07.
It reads 11h11
